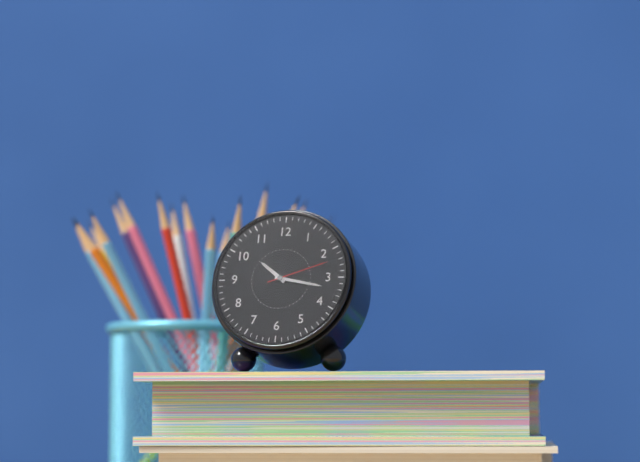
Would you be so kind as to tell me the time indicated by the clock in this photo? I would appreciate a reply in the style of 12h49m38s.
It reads 10h17m12s
